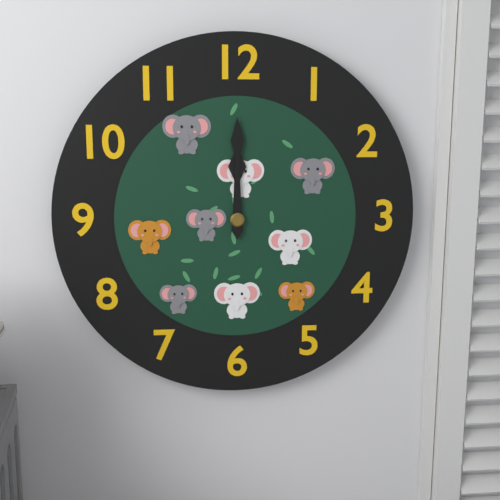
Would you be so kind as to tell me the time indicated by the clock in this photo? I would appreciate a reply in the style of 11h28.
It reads 12h00
